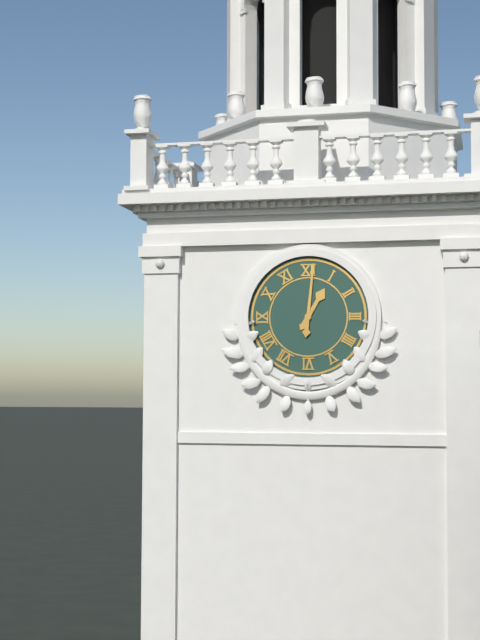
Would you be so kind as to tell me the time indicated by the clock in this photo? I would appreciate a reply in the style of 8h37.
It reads 1h01
